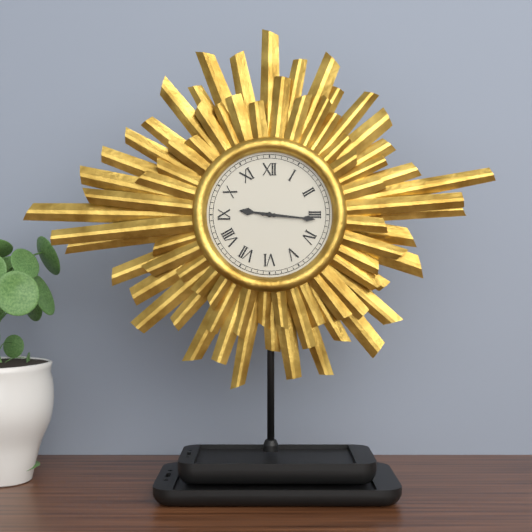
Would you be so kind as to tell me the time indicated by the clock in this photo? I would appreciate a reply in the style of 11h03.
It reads 9h16
